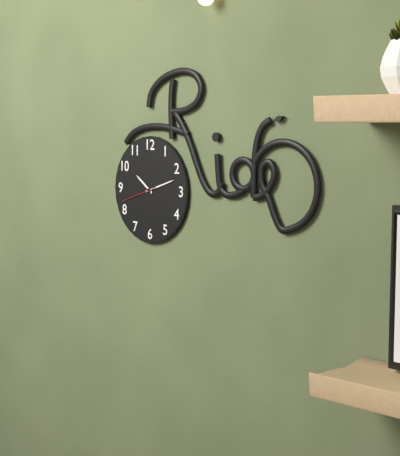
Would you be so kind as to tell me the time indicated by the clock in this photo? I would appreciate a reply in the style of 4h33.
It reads 10h12
